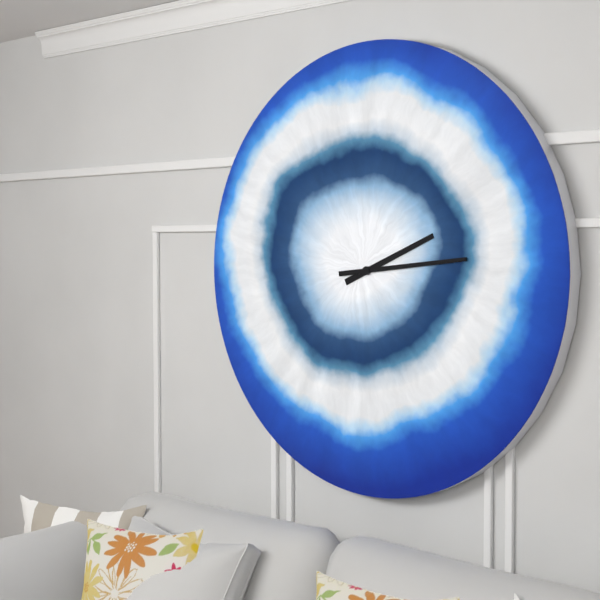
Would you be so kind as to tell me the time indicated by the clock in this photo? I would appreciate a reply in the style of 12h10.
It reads 2h14
